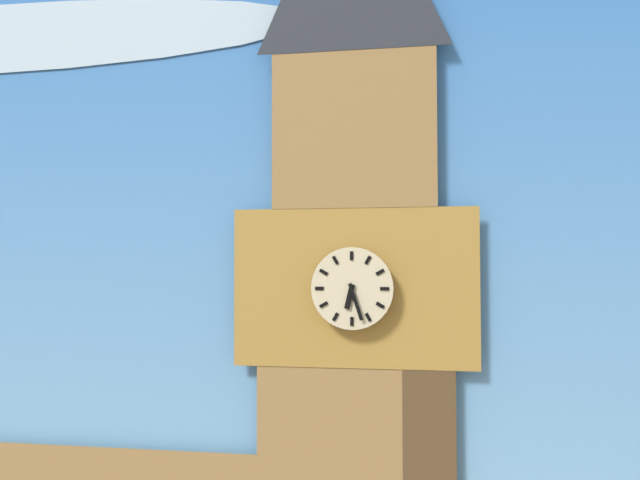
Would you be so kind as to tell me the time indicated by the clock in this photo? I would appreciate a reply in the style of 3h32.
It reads 6h27
